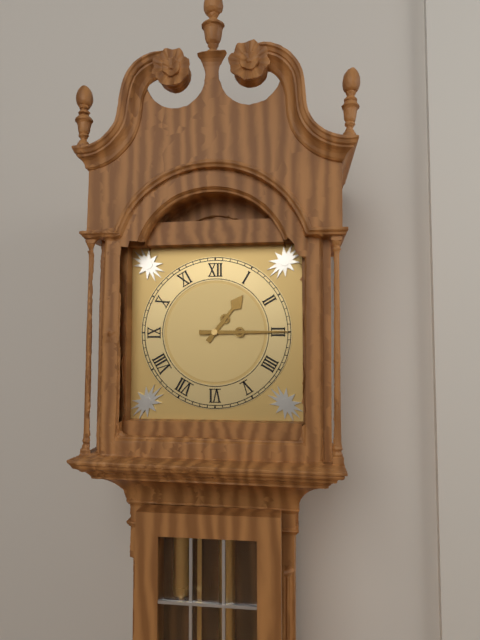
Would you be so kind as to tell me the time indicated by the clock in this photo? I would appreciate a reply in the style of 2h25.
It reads 1h15
